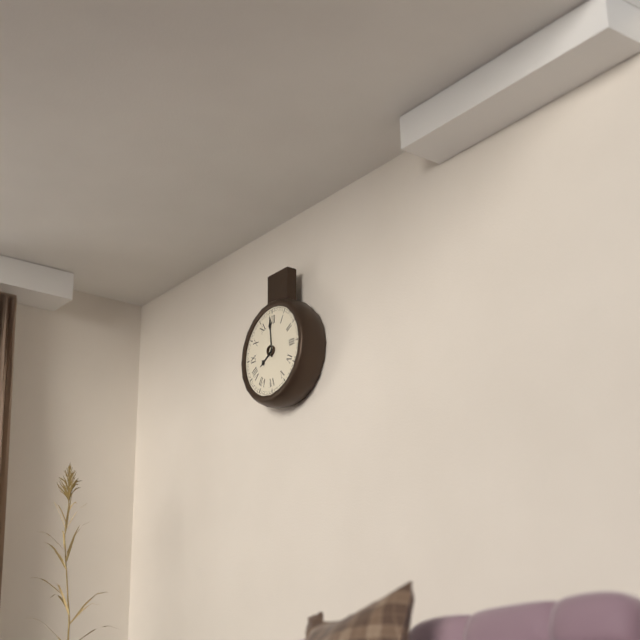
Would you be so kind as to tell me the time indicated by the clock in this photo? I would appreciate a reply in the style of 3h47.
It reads 7h59
